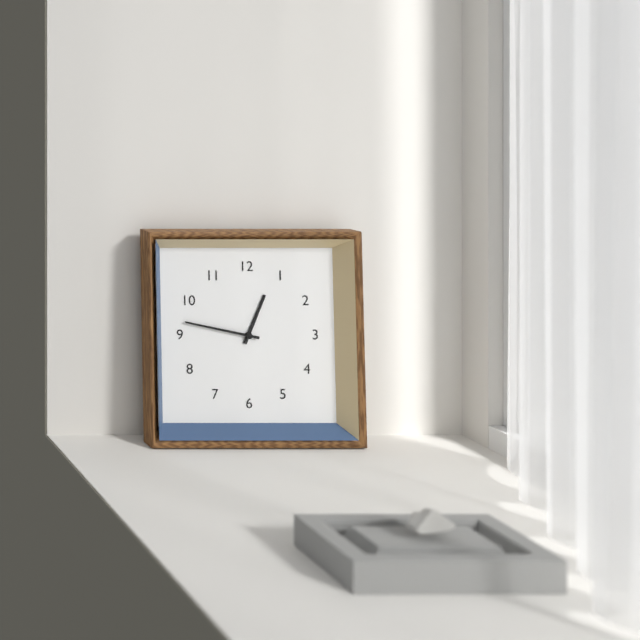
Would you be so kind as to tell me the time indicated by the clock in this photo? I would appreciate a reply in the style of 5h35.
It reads 12h47
